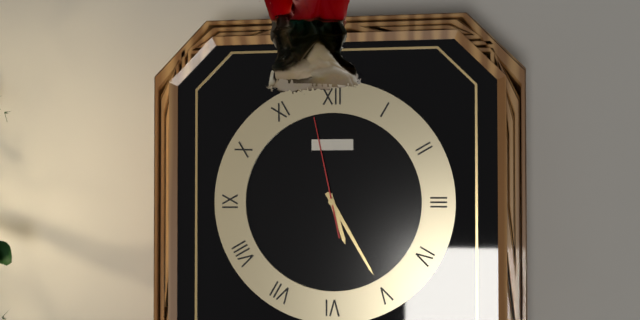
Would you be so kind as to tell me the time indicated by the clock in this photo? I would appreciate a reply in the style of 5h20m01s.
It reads 5h25m58s
